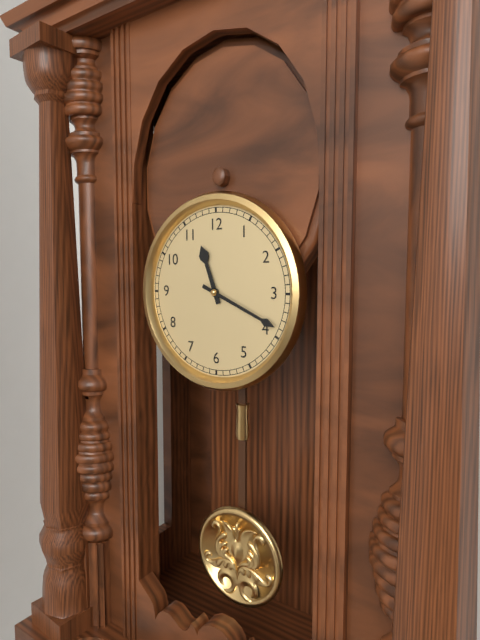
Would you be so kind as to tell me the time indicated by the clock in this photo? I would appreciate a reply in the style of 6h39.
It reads 11h19
